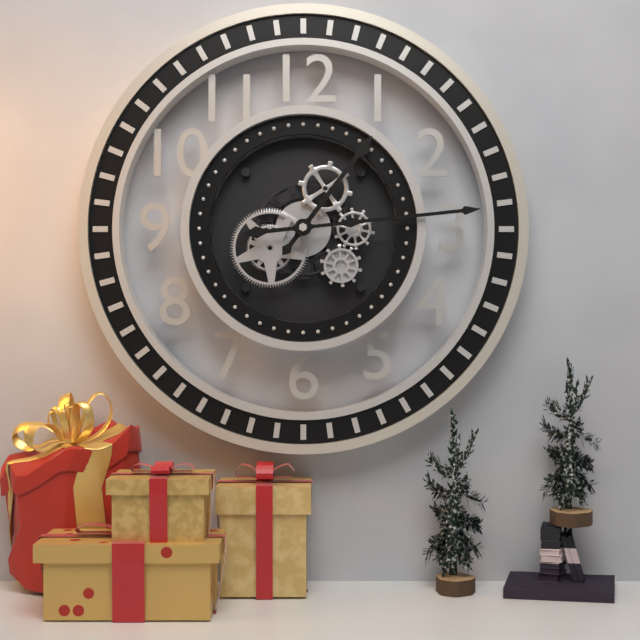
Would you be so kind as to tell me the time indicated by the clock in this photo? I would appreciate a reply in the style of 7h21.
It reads 1h14
